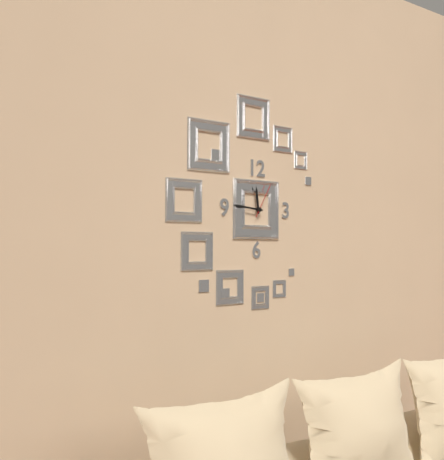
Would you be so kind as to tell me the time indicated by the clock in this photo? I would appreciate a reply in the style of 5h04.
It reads 11h46
